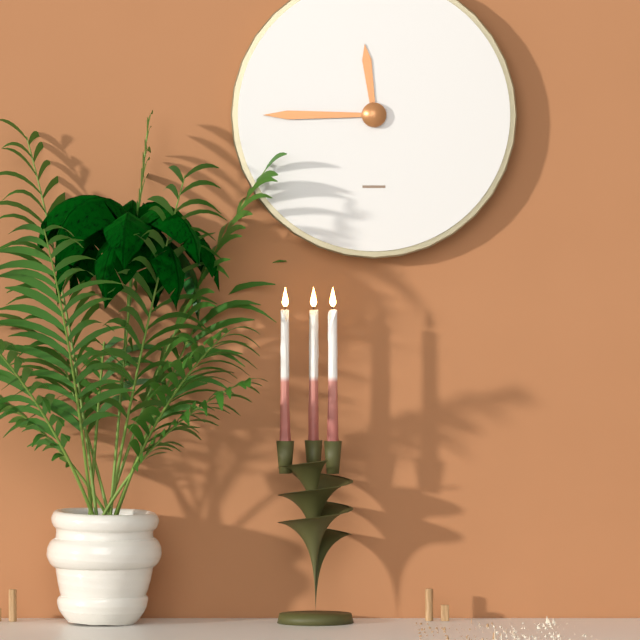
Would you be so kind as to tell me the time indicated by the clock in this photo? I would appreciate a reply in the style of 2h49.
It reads 11h45
